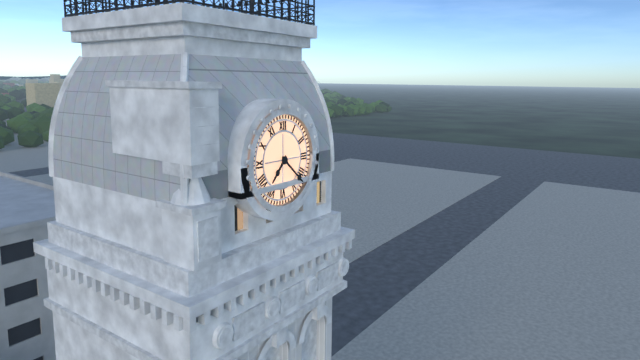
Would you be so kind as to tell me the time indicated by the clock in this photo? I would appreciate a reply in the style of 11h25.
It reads 7h22
